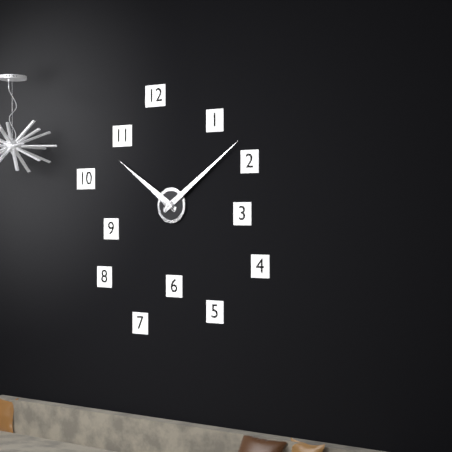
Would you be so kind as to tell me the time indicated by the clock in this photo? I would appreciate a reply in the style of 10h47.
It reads 10h09
